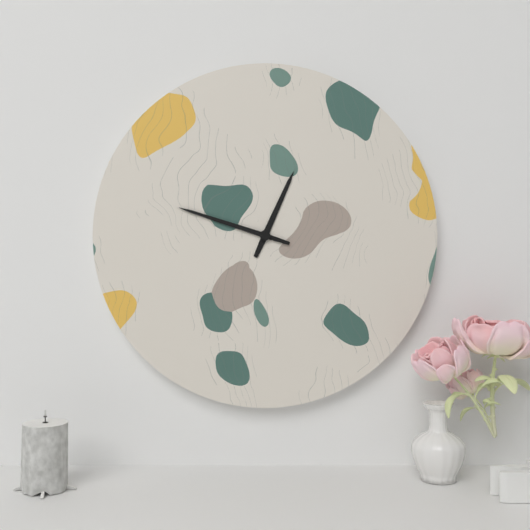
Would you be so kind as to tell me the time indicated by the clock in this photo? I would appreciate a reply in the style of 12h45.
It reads 12h48
